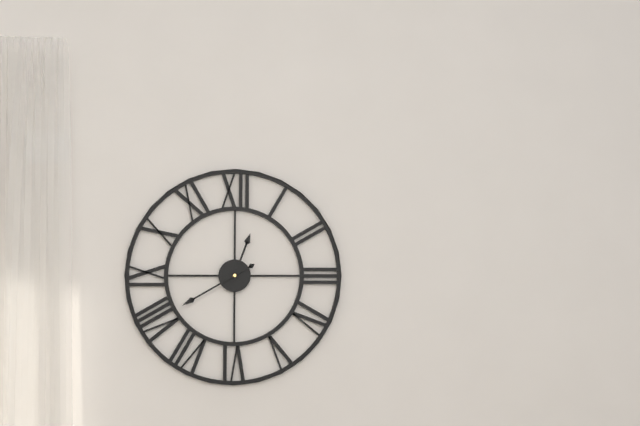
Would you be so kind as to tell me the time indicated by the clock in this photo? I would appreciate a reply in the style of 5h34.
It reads 12h40
